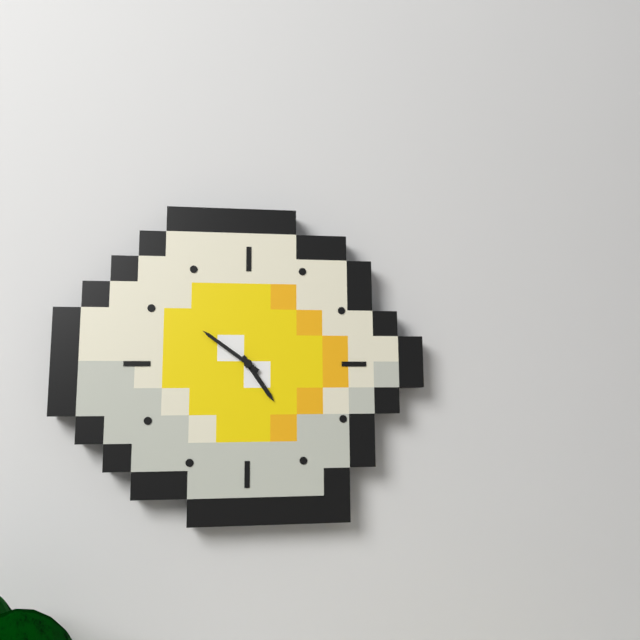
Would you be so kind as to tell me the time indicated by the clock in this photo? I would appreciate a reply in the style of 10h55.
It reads 4h51
